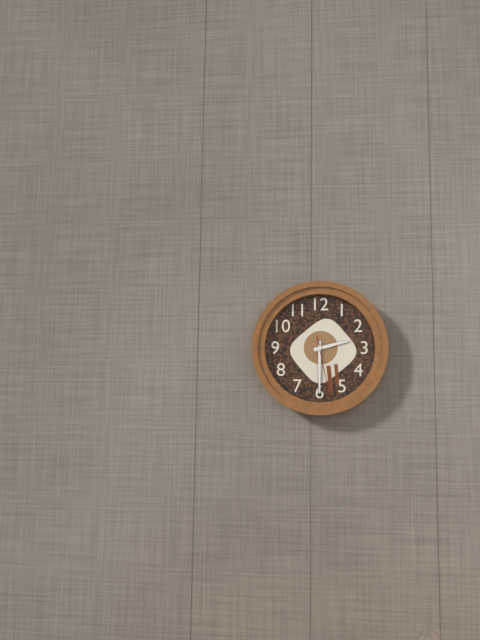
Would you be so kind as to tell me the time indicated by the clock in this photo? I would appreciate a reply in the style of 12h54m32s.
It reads 2h30m28s
